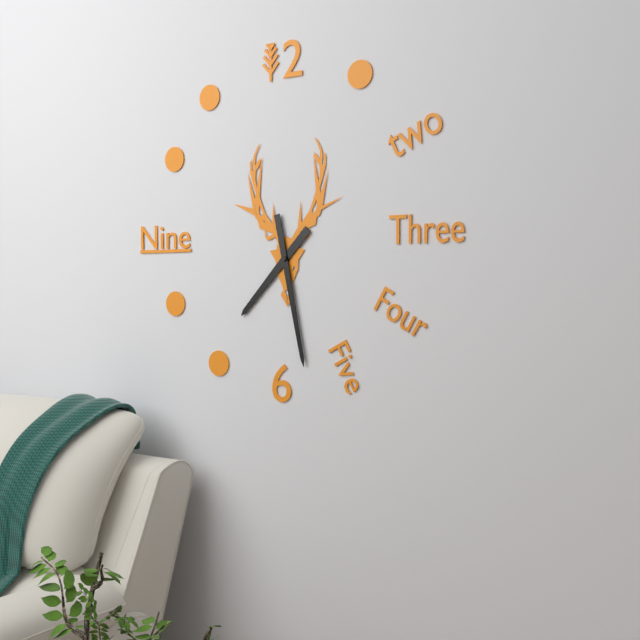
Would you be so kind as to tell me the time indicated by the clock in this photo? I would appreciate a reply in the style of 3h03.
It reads 7h28
